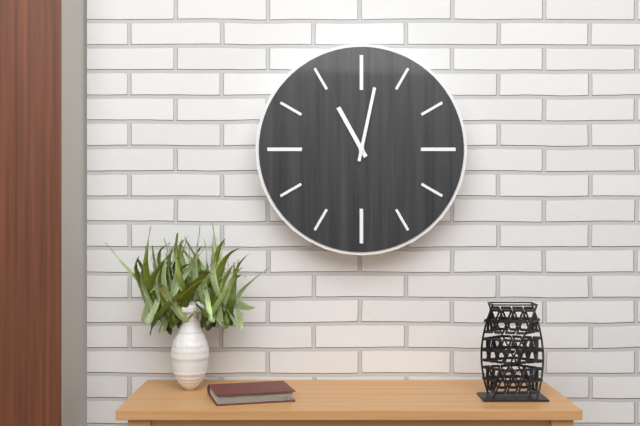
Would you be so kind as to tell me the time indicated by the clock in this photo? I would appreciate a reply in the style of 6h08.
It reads 11h02
